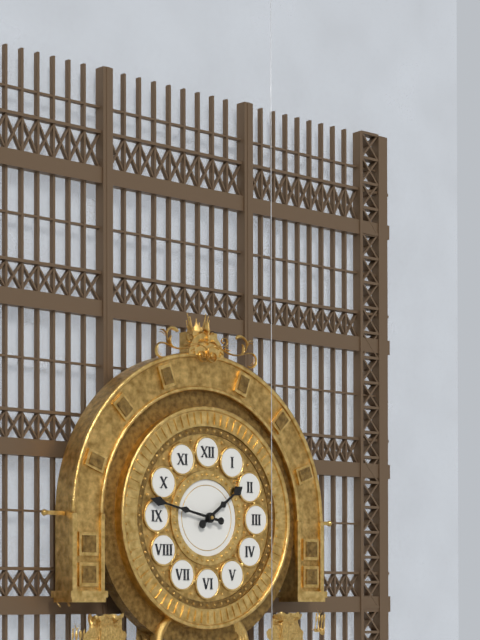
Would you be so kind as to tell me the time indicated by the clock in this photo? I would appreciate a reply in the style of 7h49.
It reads 1h47
